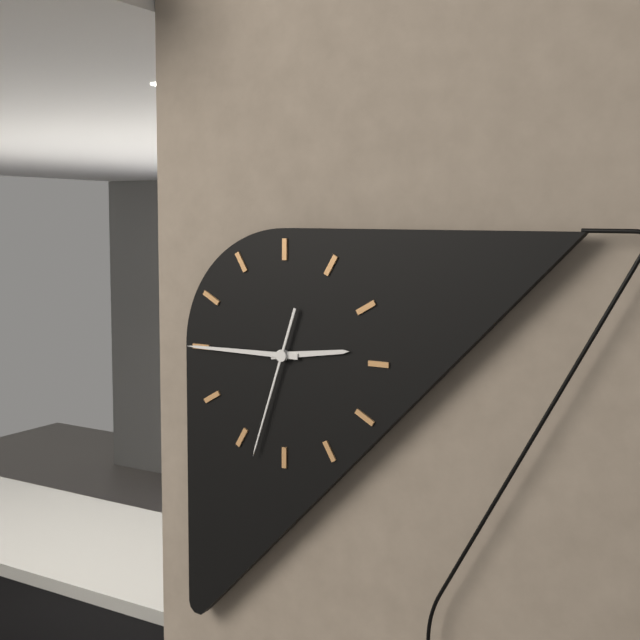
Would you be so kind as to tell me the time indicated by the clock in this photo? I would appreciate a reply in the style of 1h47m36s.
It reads 2h45m33s
